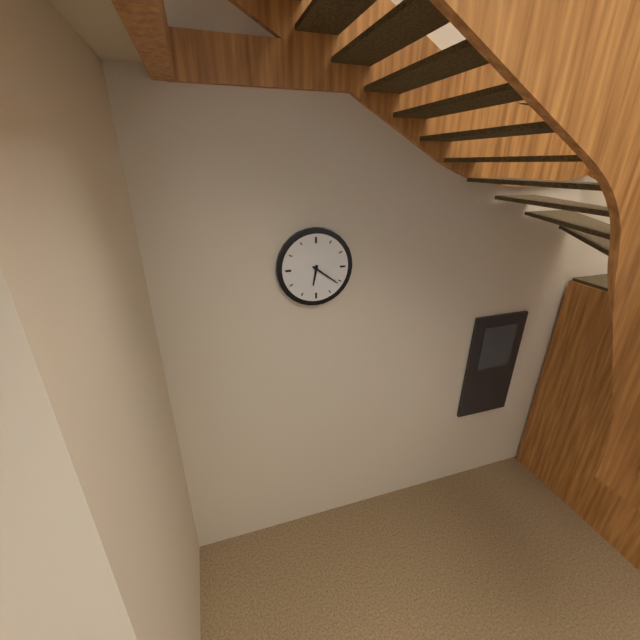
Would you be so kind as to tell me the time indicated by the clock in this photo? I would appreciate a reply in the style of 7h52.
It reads 6h21
